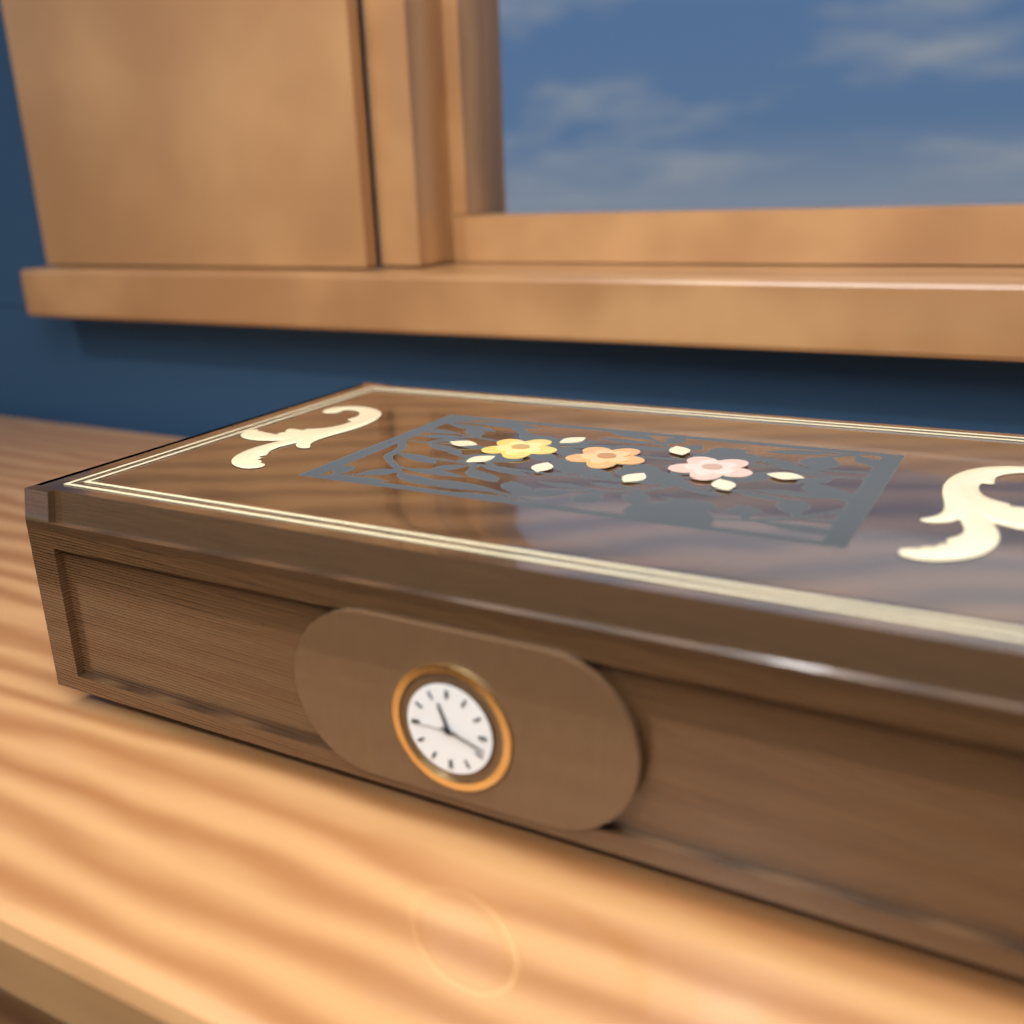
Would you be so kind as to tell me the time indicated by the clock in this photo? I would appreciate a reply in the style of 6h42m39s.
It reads 11h18m45s
